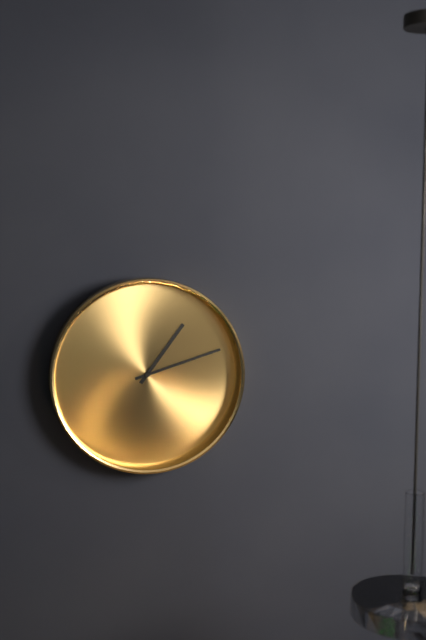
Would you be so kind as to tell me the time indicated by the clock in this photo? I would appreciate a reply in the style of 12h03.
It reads 1h12
